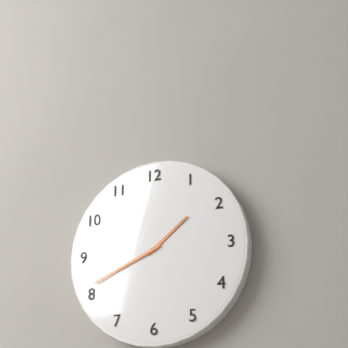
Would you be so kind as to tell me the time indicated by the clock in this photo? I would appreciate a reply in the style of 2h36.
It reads 1h41
